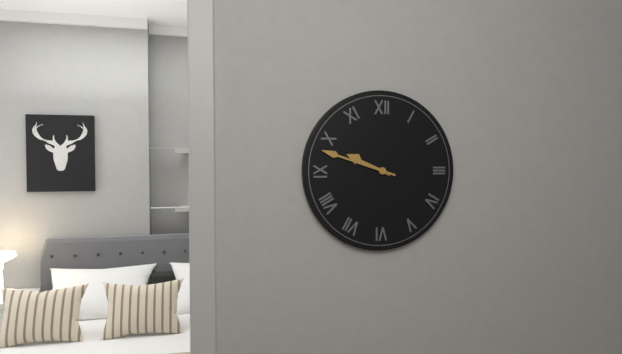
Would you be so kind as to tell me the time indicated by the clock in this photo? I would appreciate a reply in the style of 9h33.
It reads 9h48
